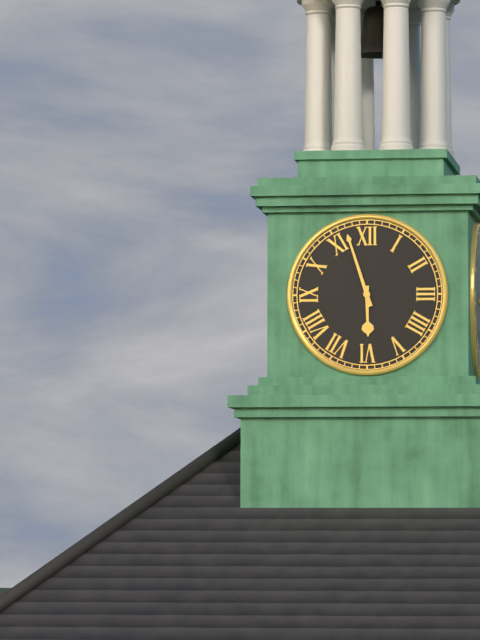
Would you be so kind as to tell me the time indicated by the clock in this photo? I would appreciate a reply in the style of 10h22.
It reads 5h57
